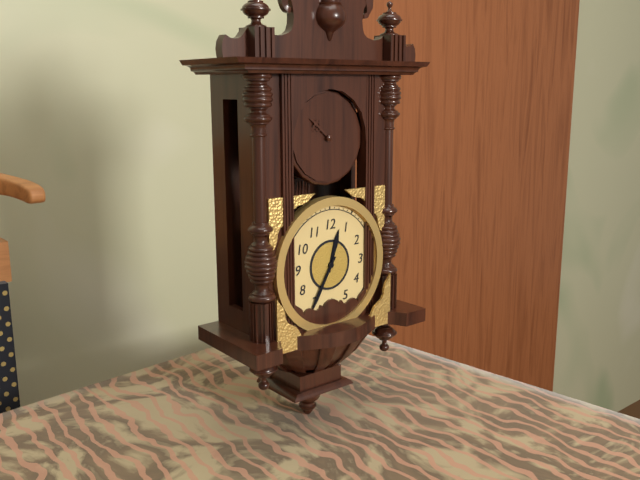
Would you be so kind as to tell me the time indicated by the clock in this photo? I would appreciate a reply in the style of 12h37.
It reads 12h35
